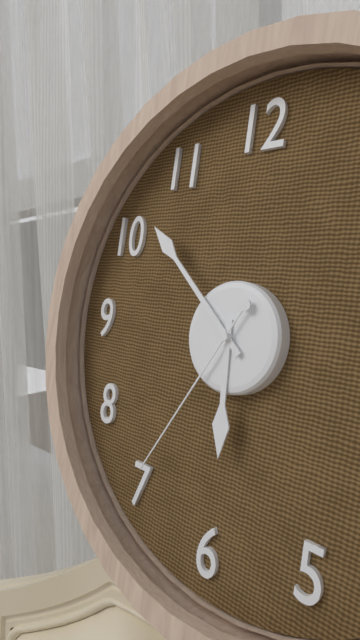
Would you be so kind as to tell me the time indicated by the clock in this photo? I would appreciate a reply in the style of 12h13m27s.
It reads 5h52m35s
